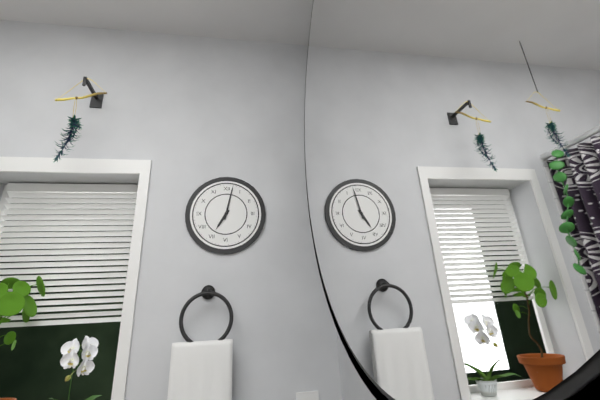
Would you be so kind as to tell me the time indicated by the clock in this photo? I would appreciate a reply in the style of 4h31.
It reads 7h02
